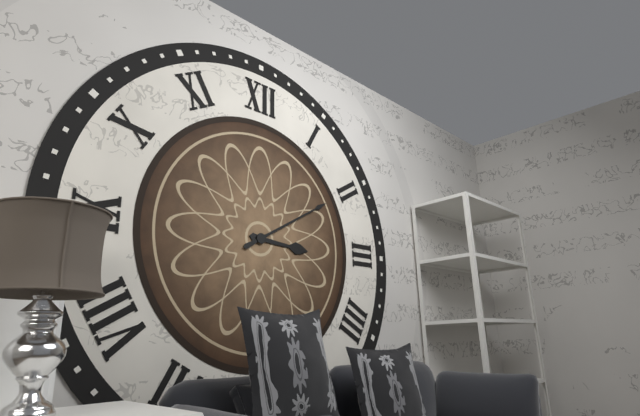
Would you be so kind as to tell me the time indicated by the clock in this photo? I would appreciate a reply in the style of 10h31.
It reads 3h10
